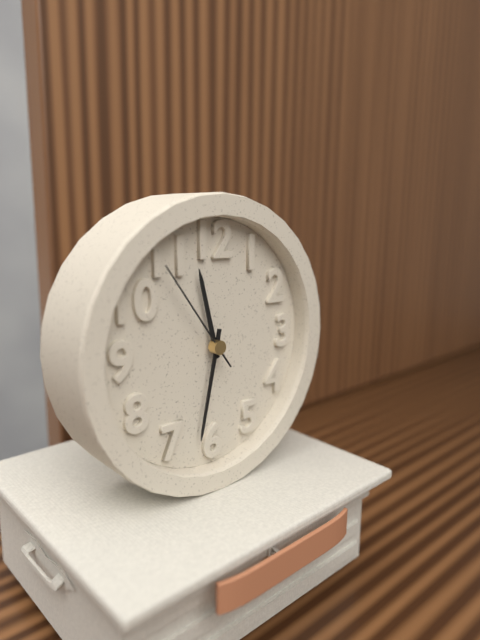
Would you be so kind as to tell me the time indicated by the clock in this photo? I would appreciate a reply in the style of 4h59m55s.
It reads 11h32m54s
